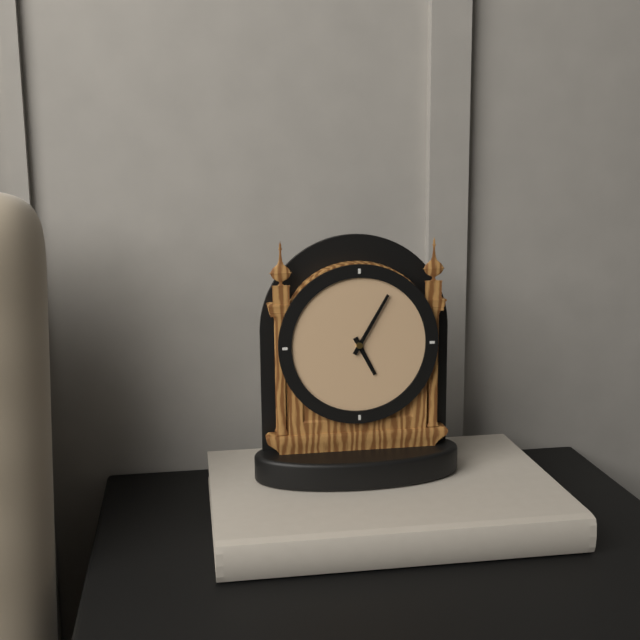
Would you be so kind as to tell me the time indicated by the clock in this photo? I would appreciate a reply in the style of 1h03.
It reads 5h05
